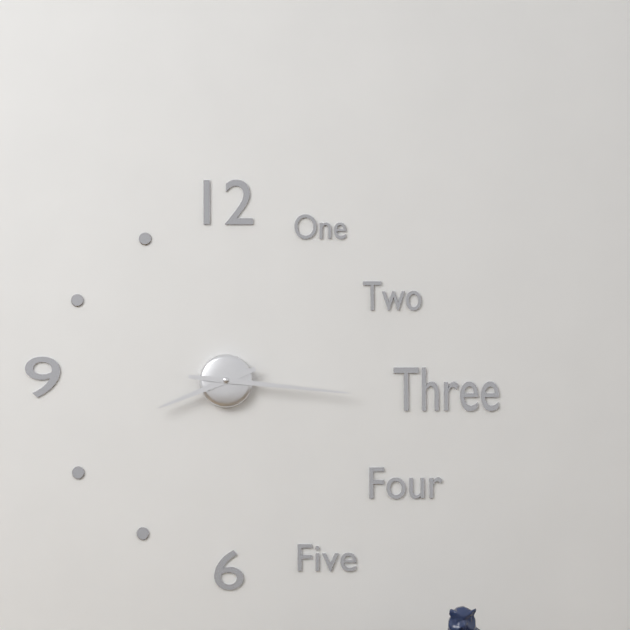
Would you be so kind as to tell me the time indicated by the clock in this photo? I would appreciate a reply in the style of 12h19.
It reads 8h16
